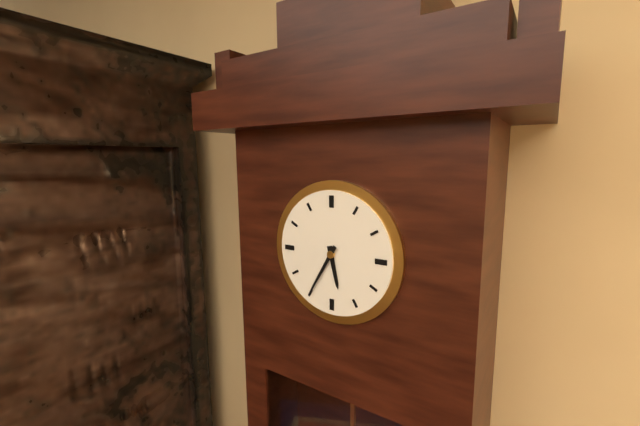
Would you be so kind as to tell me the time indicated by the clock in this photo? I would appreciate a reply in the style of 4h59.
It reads 5h35
